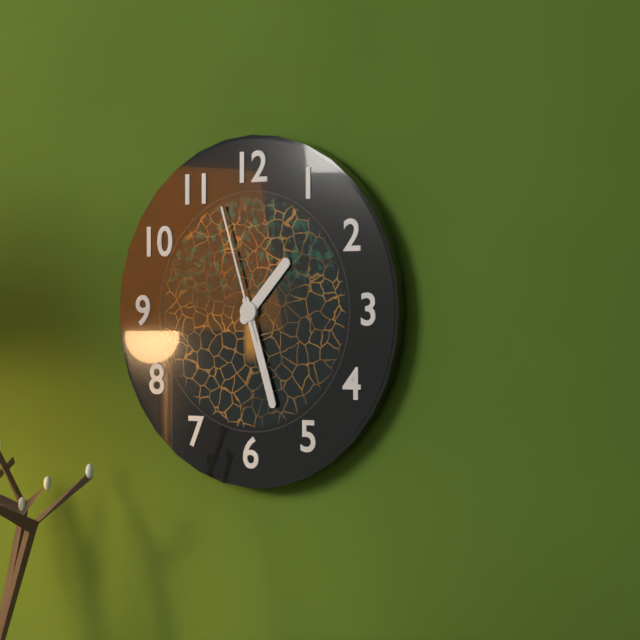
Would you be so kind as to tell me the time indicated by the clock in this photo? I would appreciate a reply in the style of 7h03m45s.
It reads 1h27m57s
